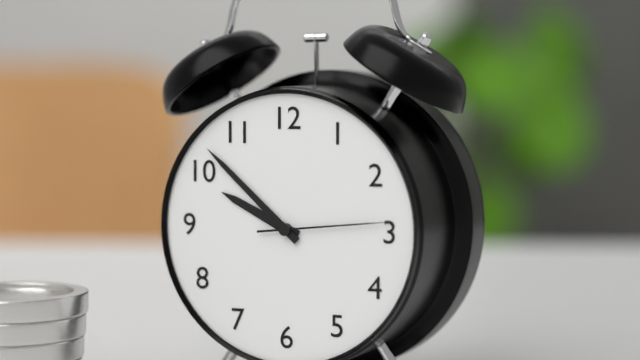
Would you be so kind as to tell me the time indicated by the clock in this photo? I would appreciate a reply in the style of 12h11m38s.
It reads 9h52m14s
